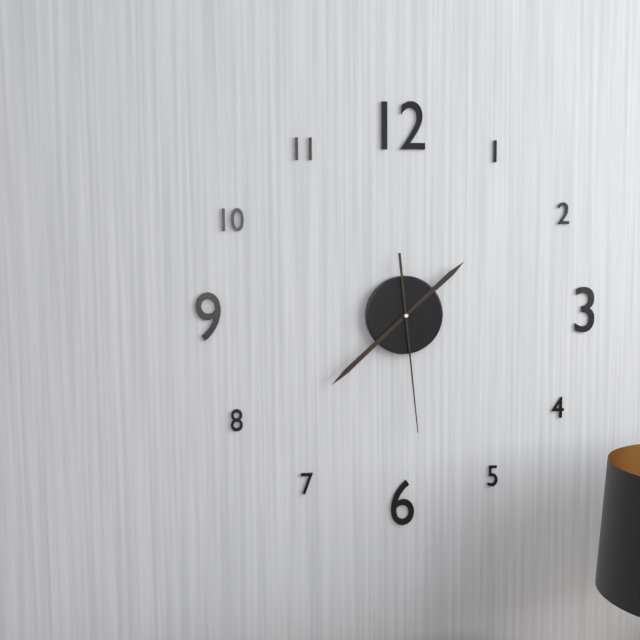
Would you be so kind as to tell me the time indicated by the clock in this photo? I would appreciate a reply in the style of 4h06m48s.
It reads 1h38m29s
